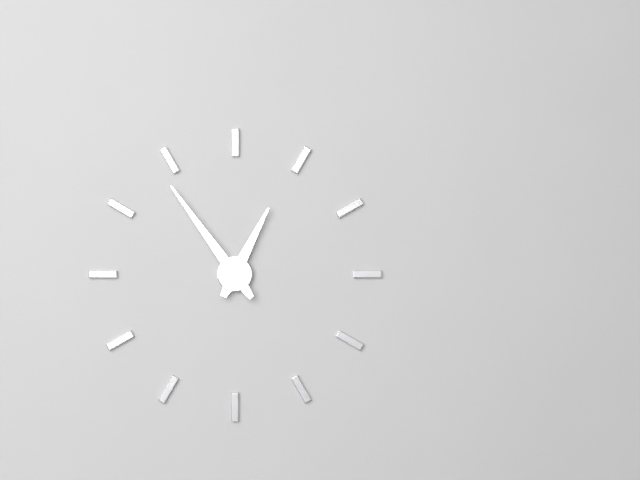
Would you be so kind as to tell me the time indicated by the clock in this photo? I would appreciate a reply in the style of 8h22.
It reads 12h54
